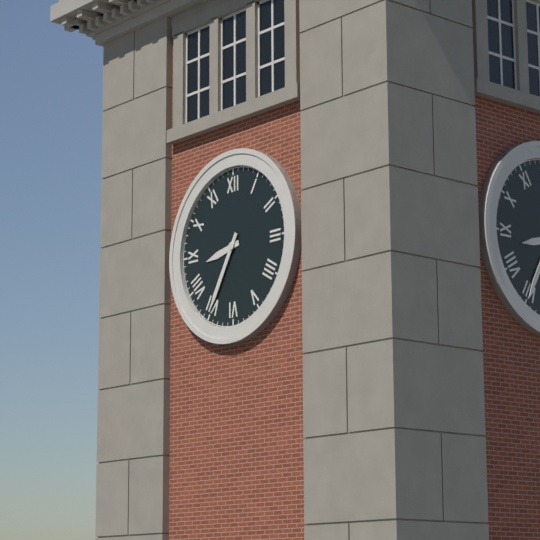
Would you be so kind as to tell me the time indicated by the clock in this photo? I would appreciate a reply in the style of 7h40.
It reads 8h35
